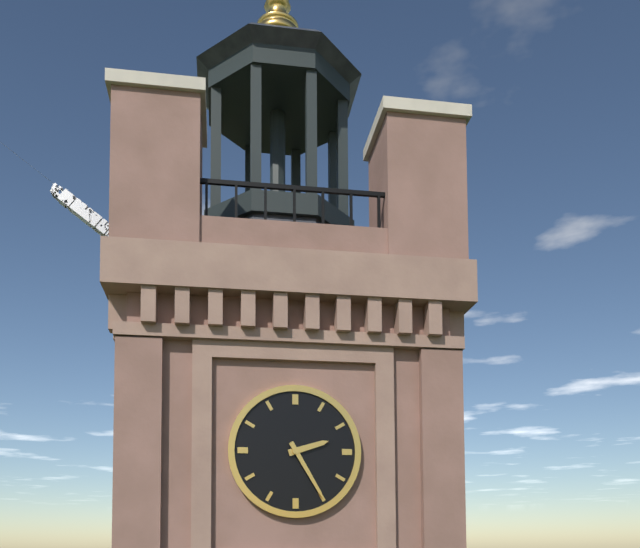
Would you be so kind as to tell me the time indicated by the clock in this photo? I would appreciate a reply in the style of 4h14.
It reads 2h25
